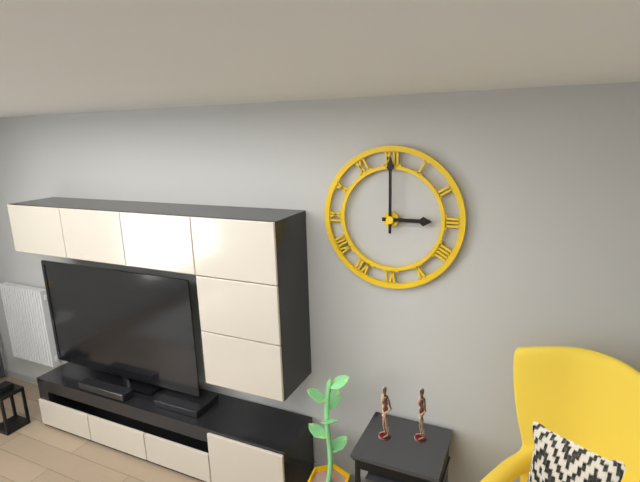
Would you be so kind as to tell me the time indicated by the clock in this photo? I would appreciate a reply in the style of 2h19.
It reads 3h00
